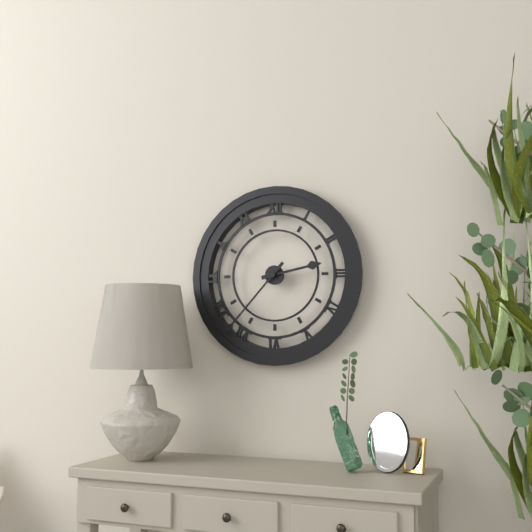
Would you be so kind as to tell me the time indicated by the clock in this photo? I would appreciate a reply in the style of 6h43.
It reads 2h37
